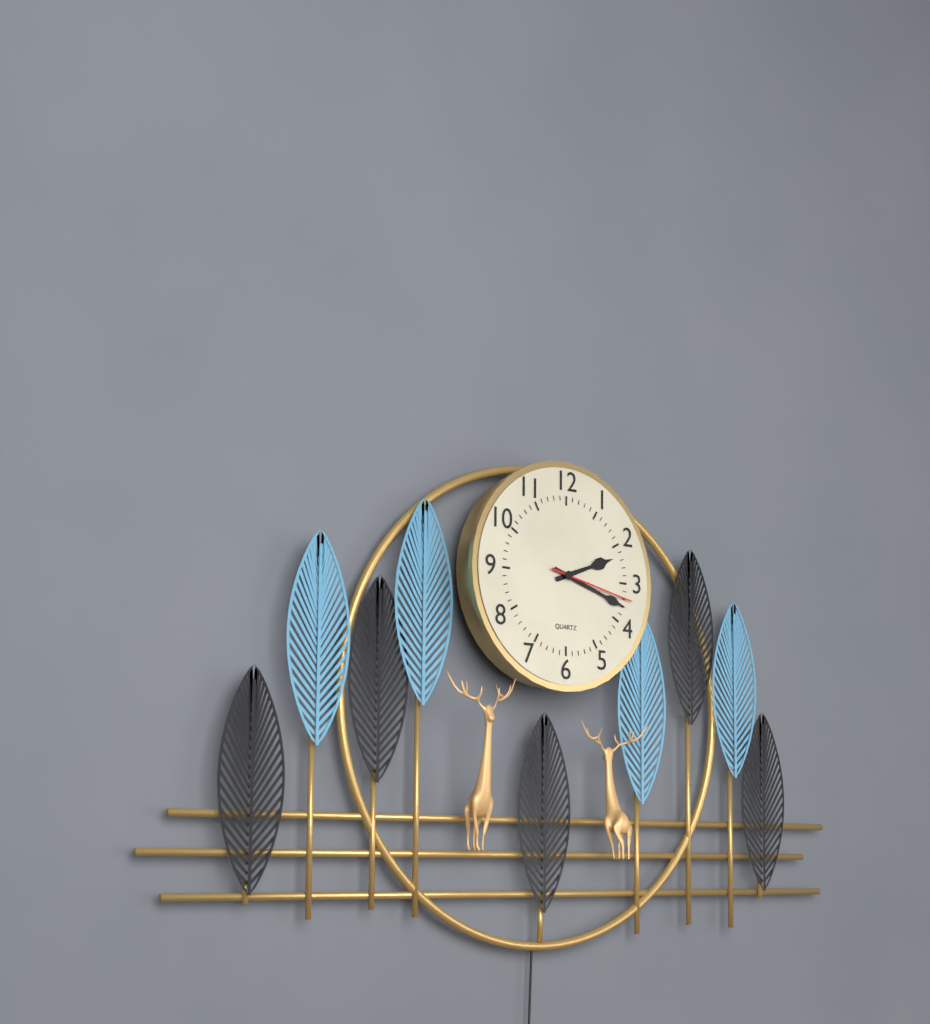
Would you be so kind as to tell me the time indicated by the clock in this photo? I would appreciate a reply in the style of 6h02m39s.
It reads 2h18m17s
